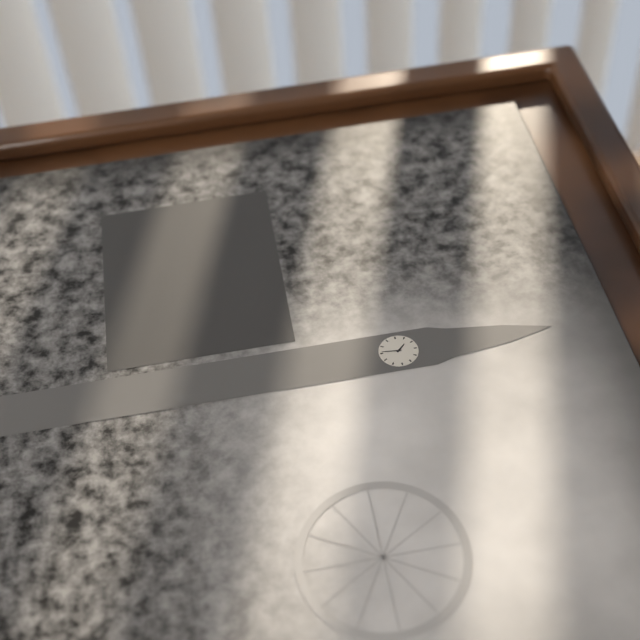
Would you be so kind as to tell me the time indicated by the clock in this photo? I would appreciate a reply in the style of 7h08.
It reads 10h31
